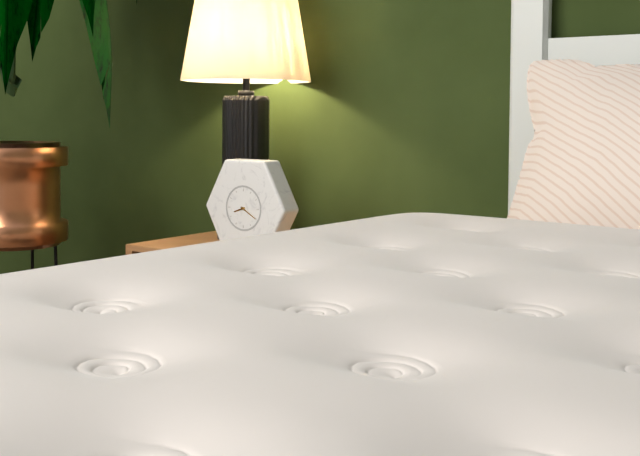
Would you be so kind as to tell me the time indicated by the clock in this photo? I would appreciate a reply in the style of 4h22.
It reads 8h20
